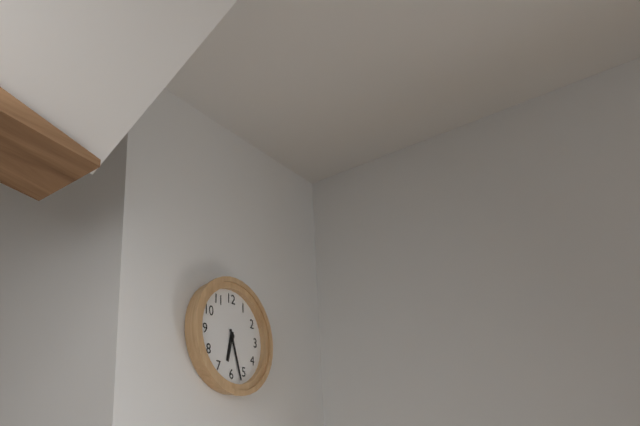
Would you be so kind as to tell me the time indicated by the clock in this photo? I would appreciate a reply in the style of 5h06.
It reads 6h27
